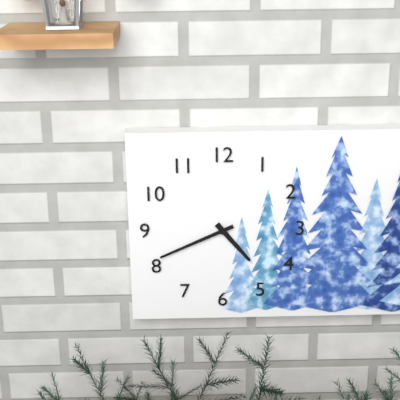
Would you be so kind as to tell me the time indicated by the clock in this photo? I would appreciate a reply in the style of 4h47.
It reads 4h41
